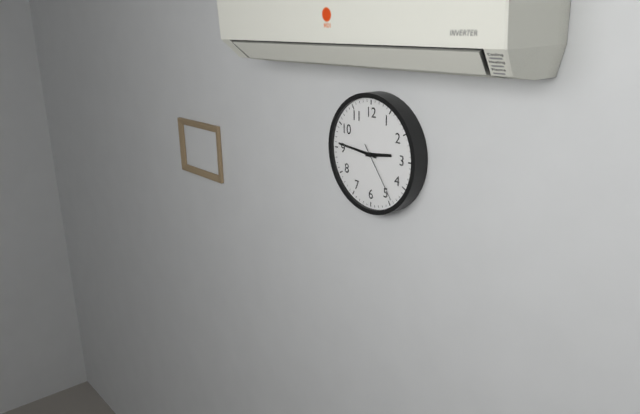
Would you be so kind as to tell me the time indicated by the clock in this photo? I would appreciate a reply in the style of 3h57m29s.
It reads 2h46m24s
